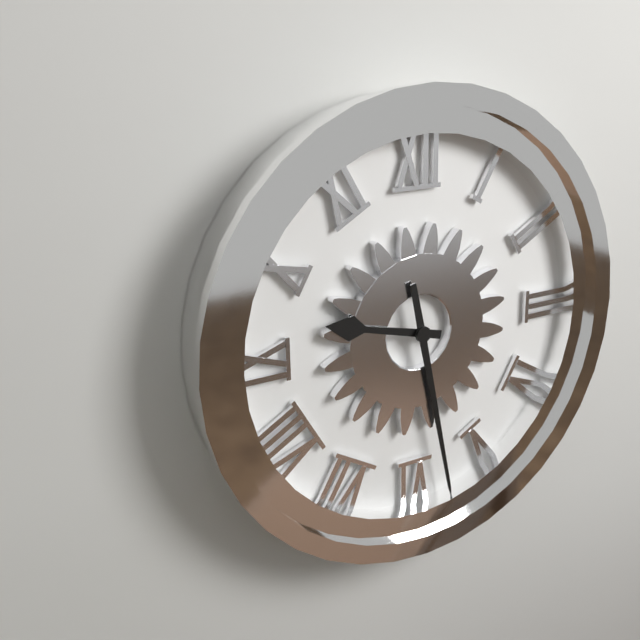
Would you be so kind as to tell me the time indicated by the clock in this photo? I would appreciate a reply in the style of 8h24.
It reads 9h28
